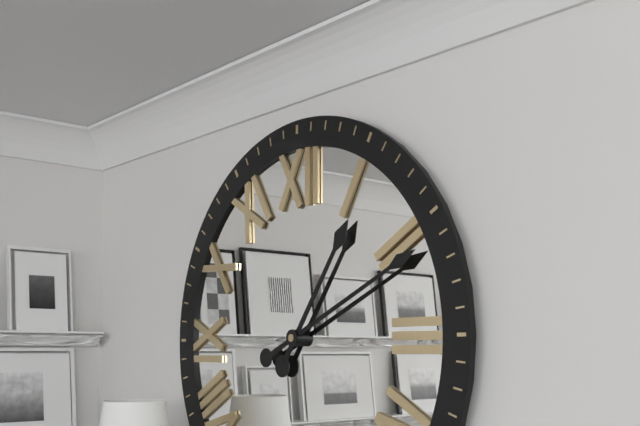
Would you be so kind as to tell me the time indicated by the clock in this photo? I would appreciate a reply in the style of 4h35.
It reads 1h11
